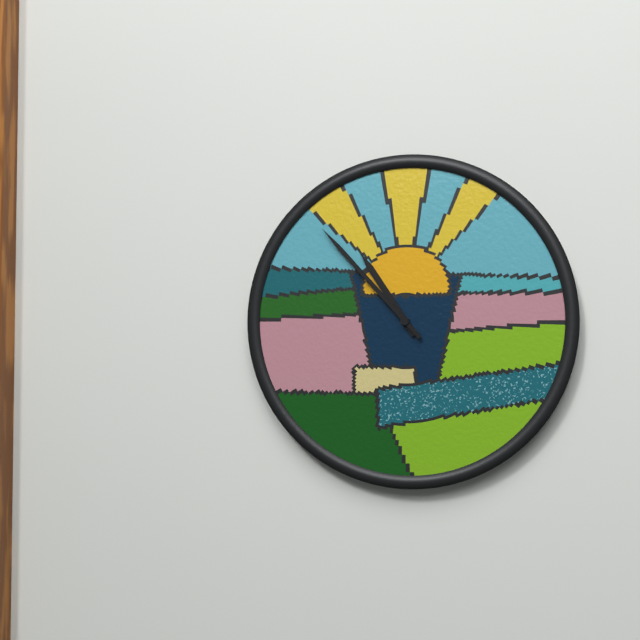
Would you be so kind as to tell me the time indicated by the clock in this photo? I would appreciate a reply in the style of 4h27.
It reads 10h53
